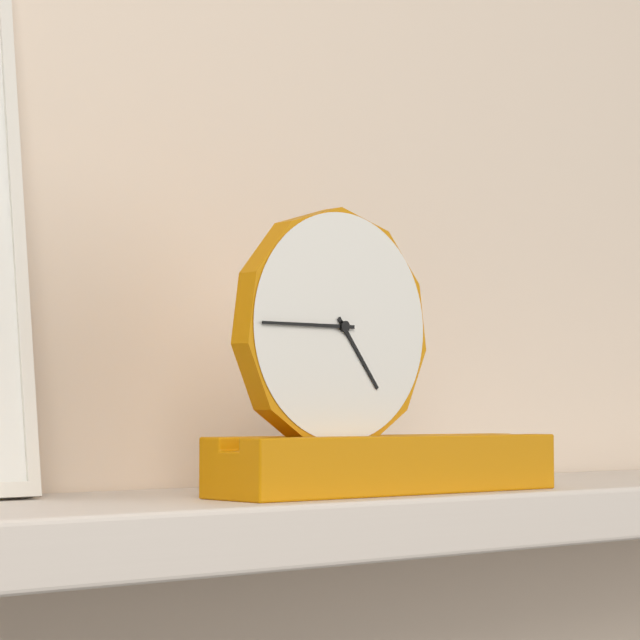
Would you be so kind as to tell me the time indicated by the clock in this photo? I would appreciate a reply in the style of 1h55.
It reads 4h45
